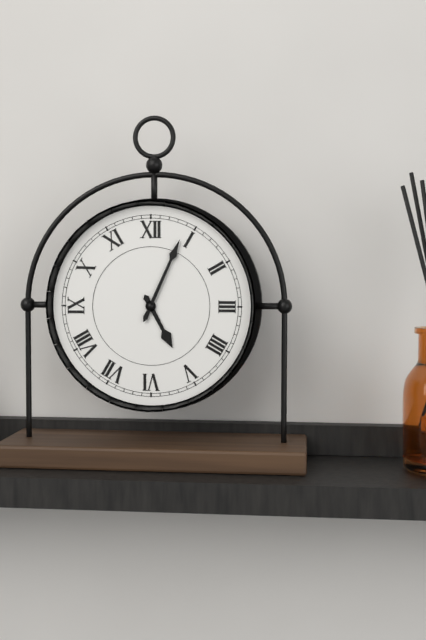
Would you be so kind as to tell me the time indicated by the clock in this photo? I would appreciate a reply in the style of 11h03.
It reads 5h04
